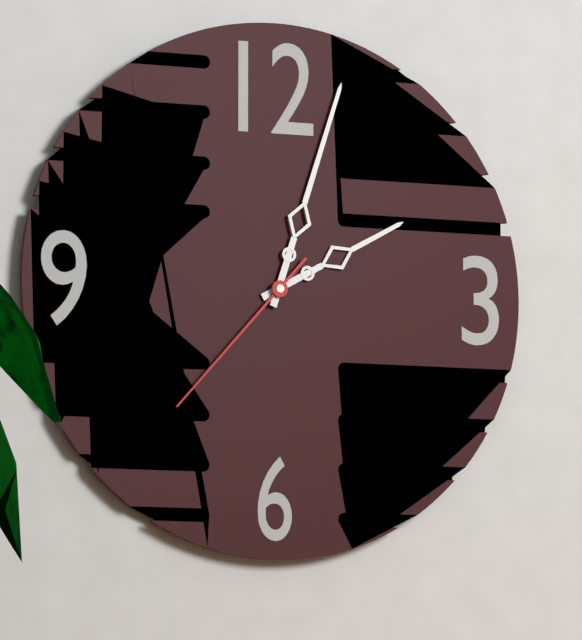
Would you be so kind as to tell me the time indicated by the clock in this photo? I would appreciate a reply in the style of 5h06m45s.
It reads 2h03m37s
